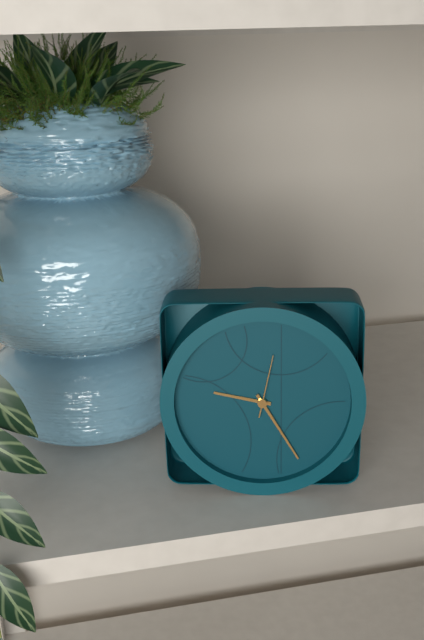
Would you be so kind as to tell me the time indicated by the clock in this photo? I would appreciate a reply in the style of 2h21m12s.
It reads 9h25m02s
